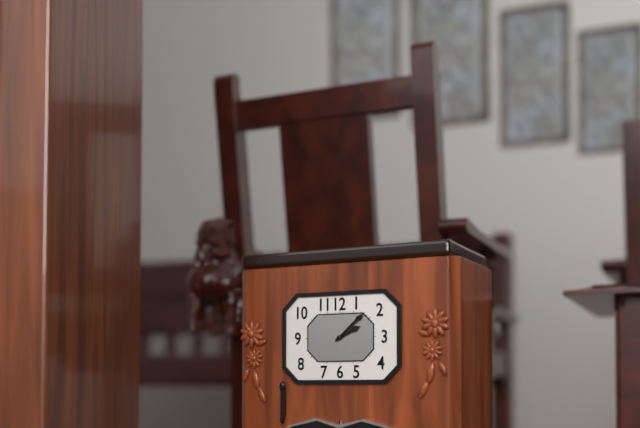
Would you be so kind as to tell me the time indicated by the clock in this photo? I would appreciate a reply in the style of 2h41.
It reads 2h08
